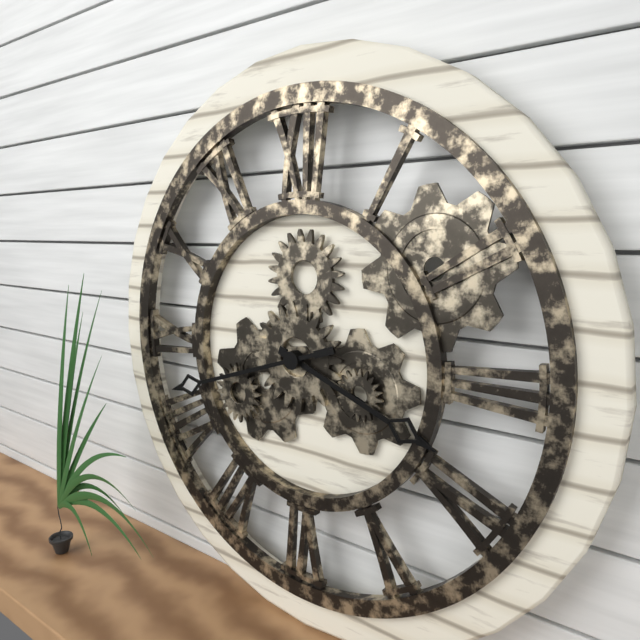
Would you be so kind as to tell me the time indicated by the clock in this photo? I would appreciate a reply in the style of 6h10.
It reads 3h42
